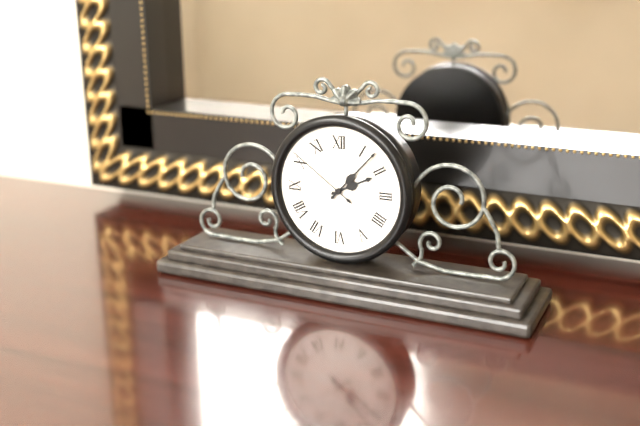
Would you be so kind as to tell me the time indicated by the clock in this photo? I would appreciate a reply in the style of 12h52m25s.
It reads 2h07m51s
